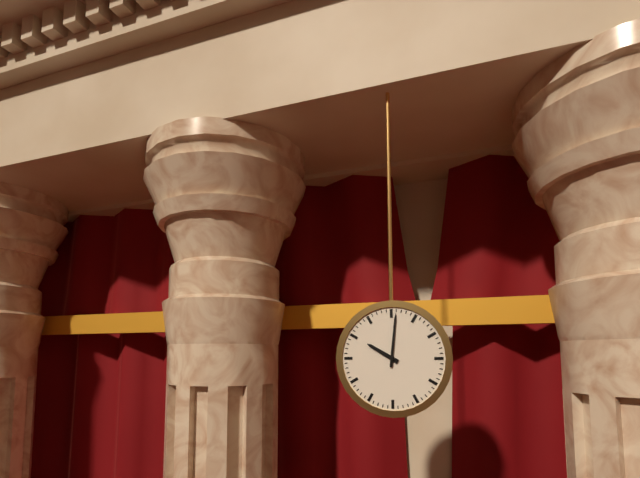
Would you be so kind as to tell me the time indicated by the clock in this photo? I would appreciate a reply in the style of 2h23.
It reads 10h01
